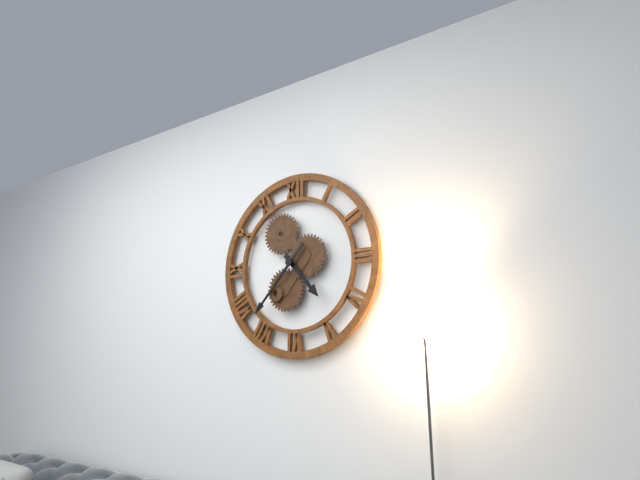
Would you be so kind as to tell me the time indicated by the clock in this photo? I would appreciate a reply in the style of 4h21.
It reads 4h37
